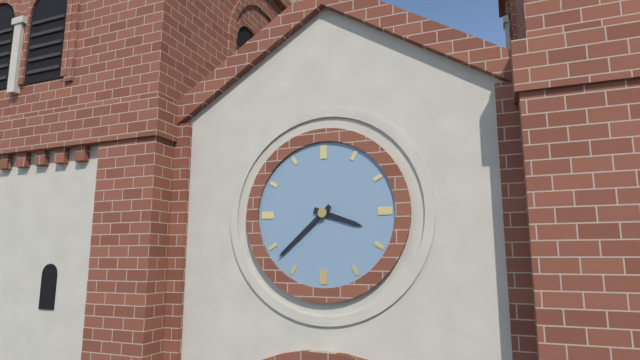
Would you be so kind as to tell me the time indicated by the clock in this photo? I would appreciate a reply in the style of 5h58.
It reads 3h38
